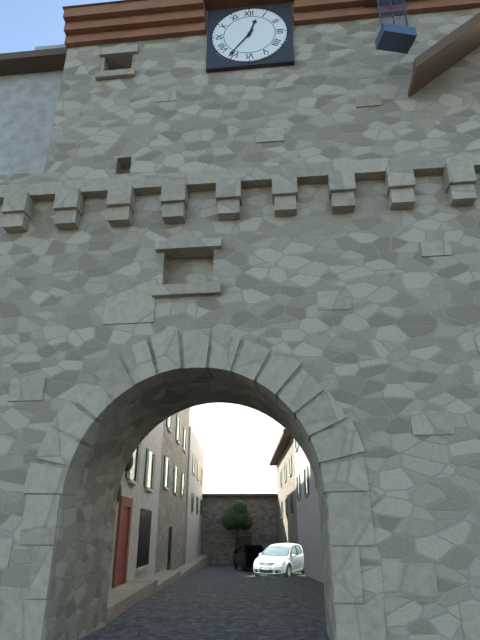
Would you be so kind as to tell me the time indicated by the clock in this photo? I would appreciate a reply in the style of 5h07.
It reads 12h36
